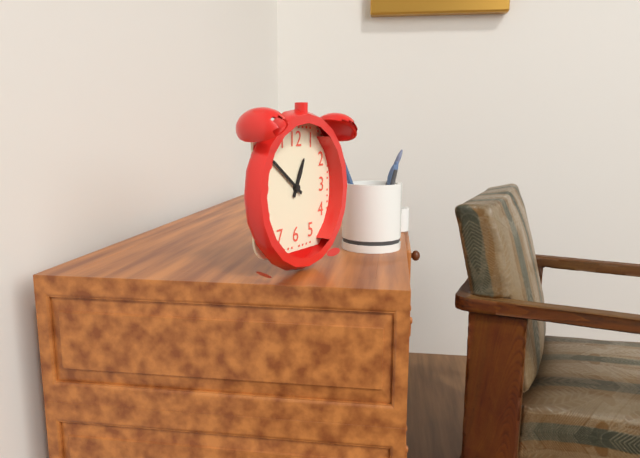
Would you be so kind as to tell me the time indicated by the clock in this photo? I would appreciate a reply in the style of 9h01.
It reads 12h51
